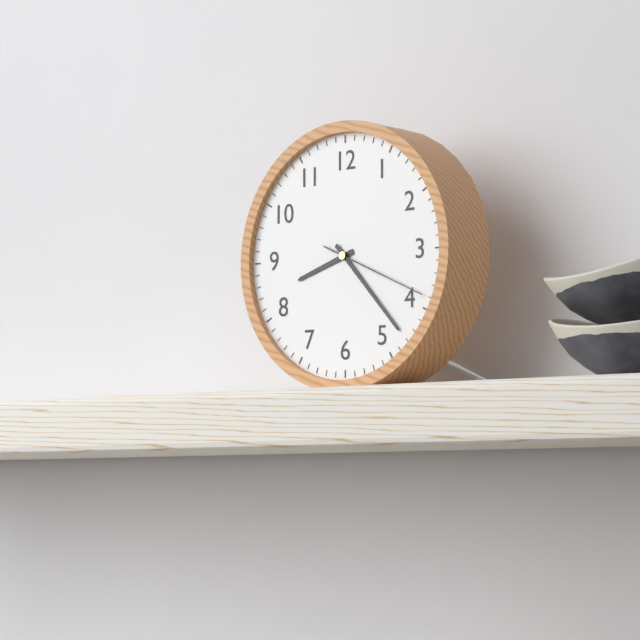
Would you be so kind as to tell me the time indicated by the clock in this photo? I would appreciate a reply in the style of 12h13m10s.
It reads 8h23m19s
